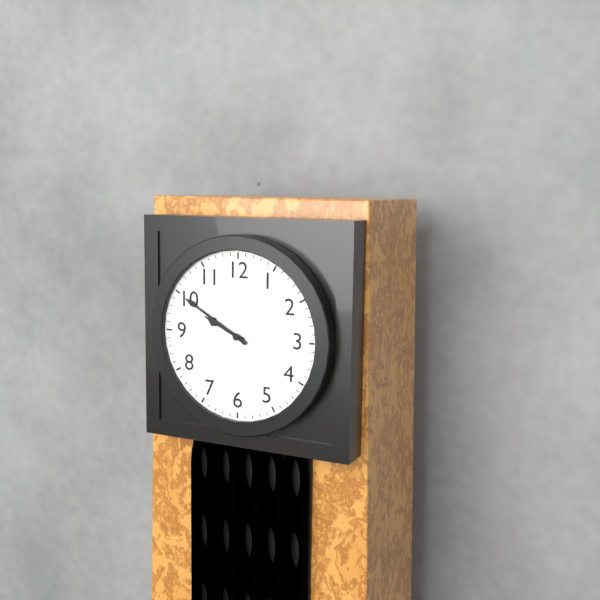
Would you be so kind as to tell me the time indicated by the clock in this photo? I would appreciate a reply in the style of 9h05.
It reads 9h50
